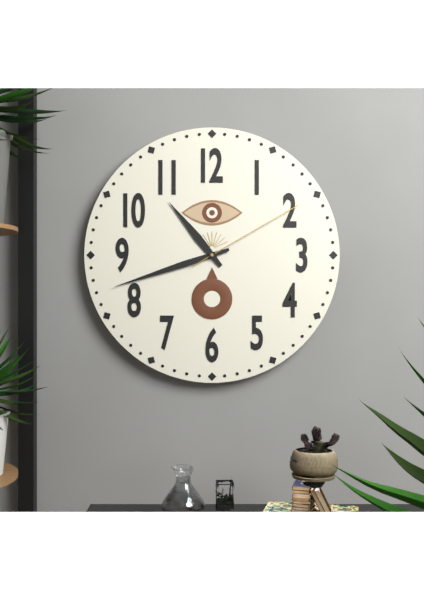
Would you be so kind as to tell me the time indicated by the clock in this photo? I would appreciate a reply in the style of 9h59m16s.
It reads 10h42m10s
